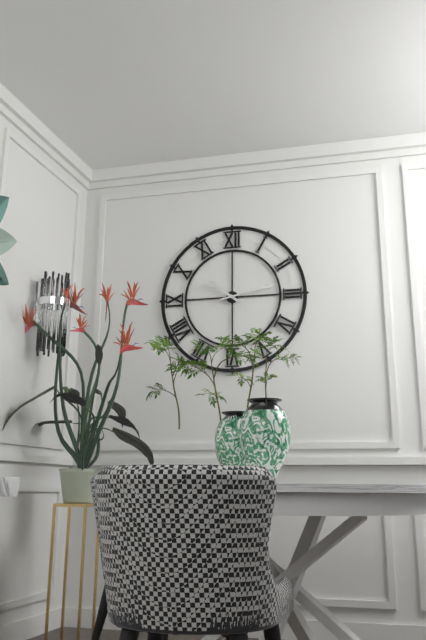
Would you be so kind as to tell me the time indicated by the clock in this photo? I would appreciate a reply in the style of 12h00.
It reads 10h13
